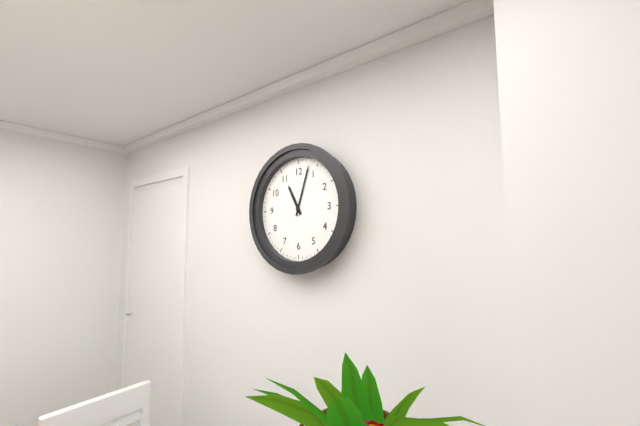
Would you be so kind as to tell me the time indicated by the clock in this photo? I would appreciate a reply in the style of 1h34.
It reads 11h03
